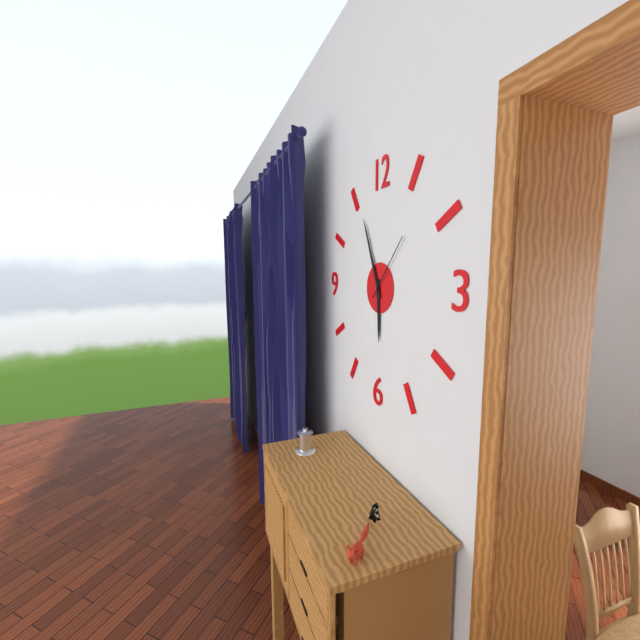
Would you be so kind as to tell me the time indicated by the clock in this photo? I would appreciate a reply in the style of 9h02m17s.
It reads 5h56m07s
